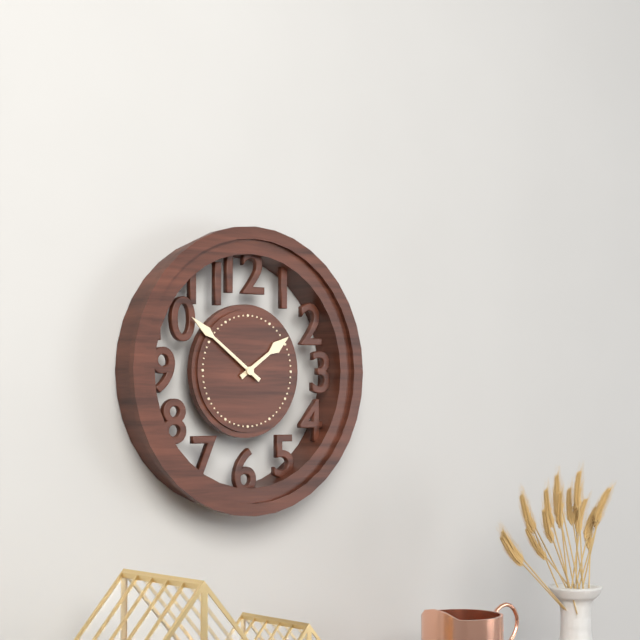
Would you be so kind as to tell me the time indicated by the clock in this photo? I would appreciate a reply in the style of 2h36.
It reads 1h51
